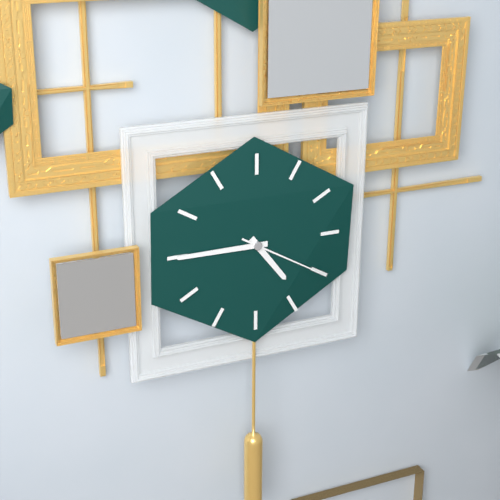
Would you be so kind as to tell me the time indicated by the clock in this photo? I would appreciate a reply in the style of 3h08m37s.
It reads 4h45m20s
